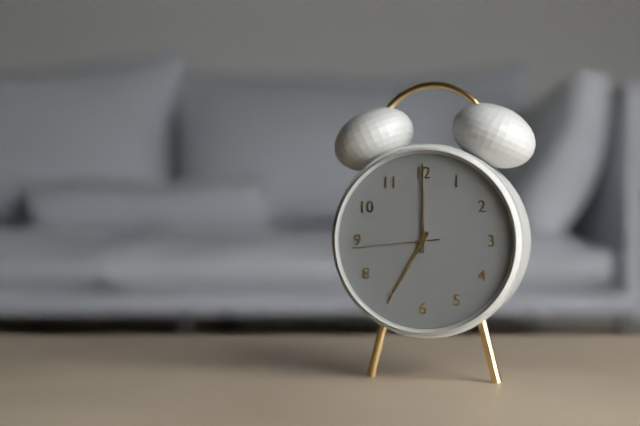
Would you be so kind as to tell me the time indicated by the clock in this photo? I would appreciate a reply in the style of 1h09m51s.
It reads 7h00m44s
